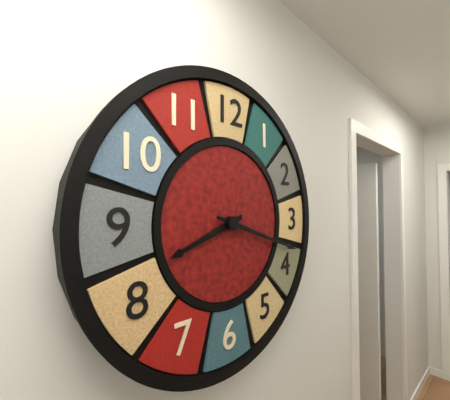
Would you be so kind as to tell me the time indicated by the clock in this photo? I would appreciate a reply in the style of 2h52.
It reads 8h18
